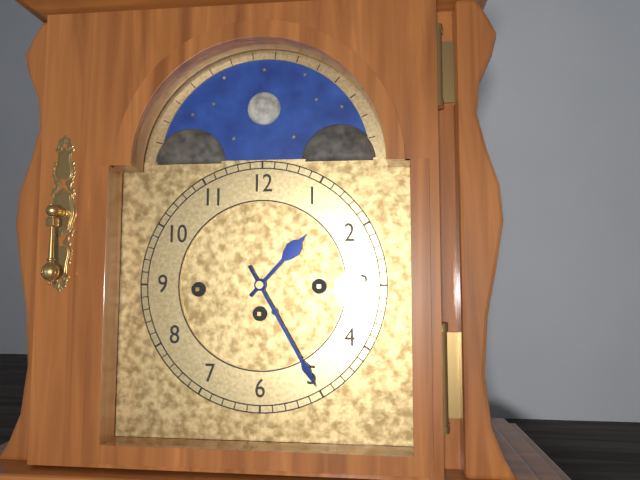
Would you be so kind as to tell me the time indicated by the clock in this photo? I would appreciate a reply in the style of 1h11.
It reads 1h25
